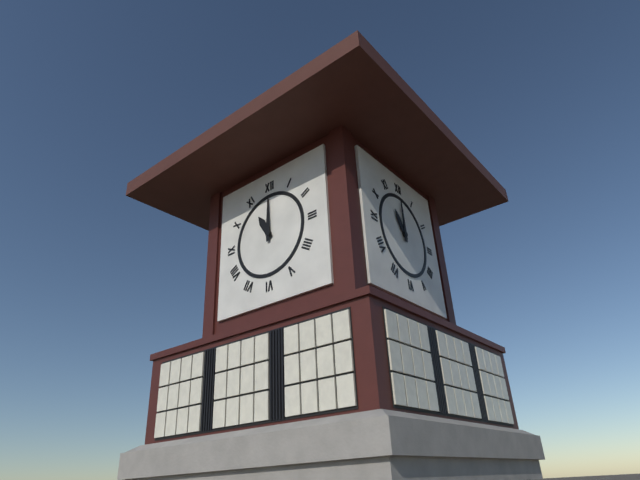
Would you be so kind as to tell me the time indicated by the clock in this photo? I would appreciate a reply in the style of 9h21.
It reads 11h00
